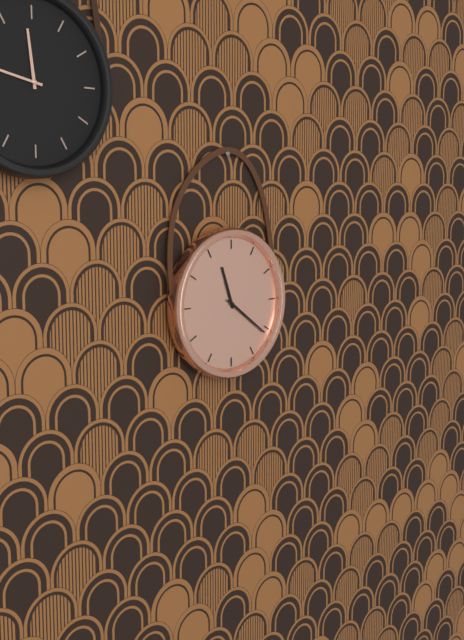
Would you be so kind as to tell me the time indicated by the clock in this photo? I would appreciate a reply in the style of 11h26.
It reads 11h21
